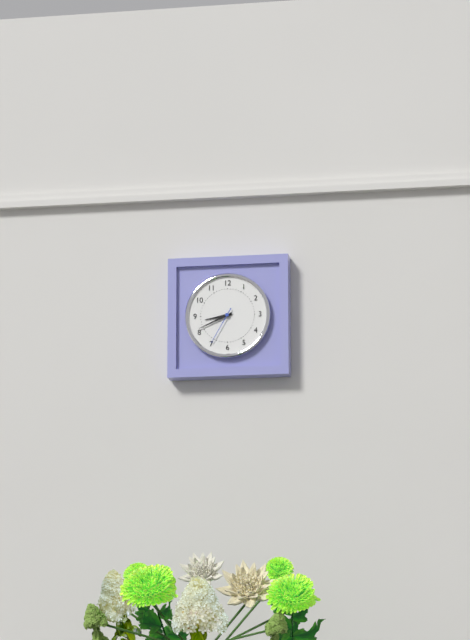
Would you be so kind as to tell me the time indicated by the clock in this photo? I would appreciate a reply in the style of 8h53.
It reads 8h41
